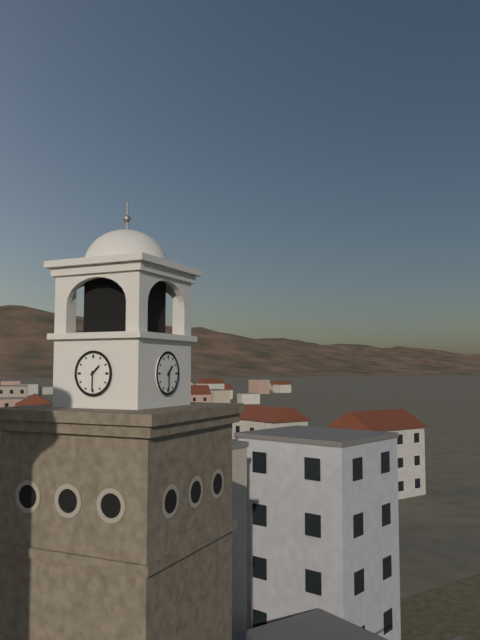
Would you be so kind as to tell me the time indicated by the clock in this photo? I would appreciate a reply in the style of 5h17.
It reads 1h30
